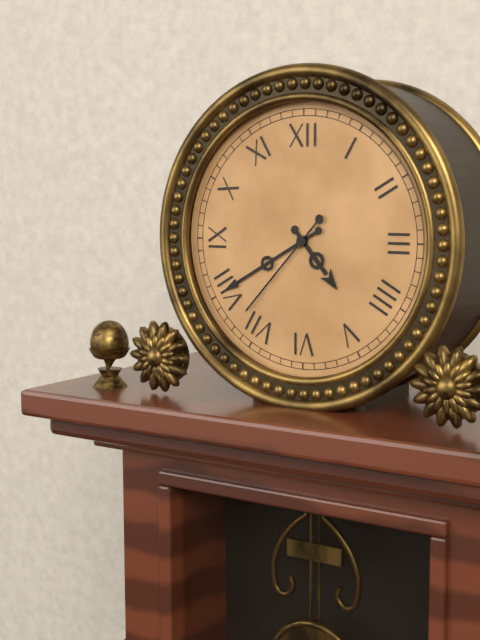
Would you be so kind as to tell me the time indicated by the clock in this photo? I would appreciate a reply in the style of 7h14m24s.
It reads 4h40m37s
